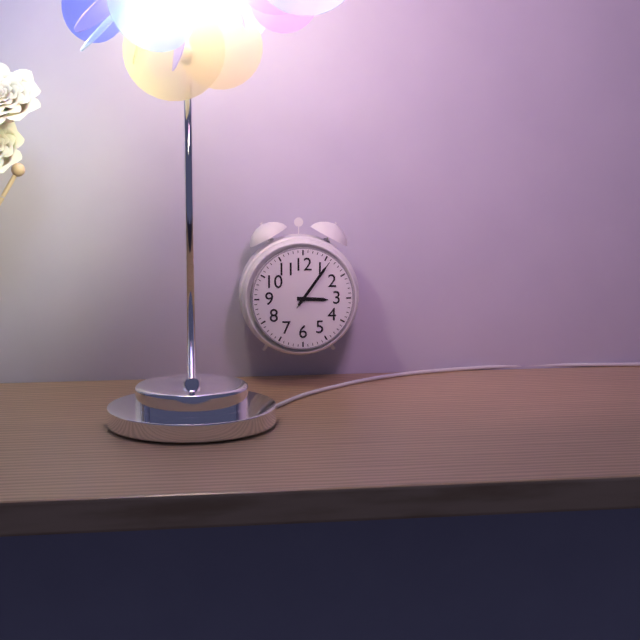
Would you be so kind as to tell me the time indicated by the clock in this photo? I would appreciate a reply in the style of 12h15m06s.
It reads 3h06m06s
